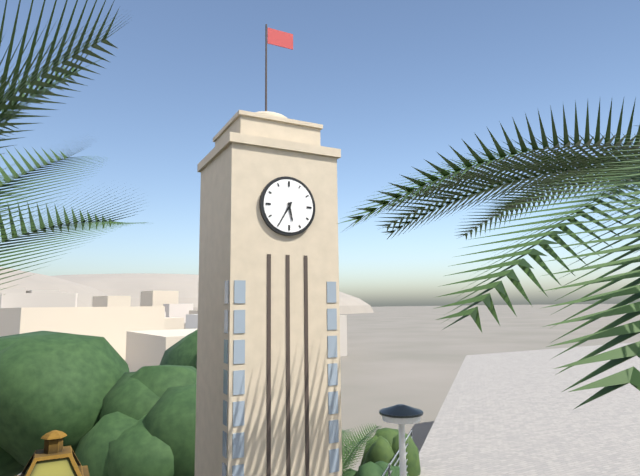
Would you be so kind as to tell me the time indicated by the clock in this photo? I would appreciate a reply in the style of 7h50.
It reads 5h35
